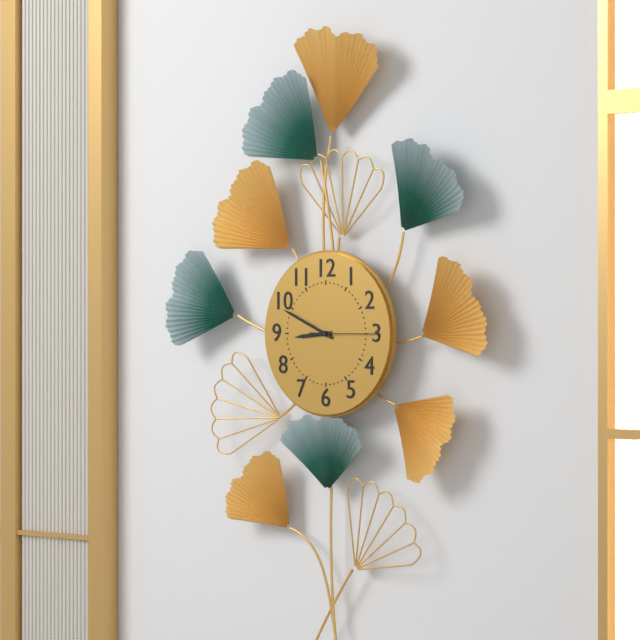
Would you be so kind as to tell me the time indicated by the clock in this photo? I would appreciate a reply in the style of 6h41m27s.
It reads 8h49m15s
